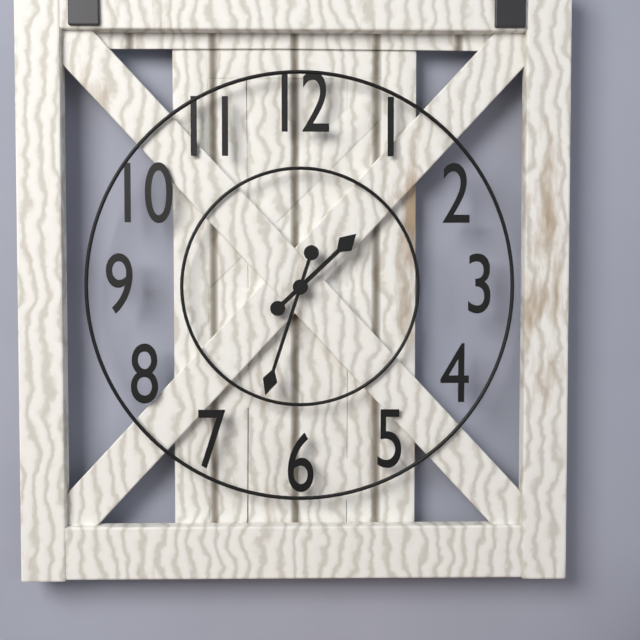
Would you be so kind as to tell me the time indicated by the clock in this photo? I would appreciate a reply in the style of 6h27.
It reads 1h33
